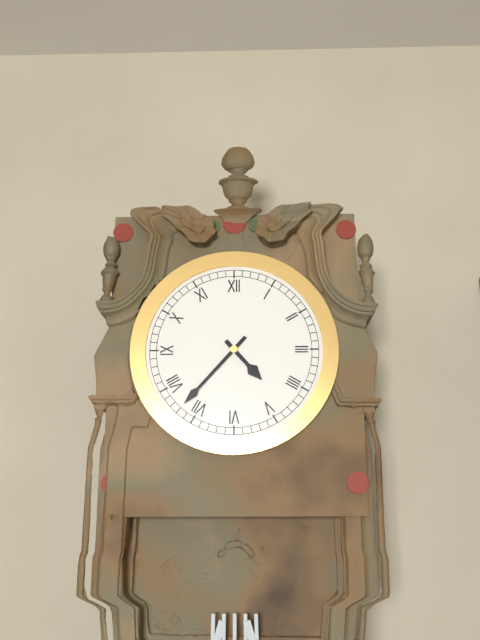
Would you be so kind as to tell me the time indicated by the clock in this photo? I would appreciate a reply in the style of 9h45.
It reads 4h37
